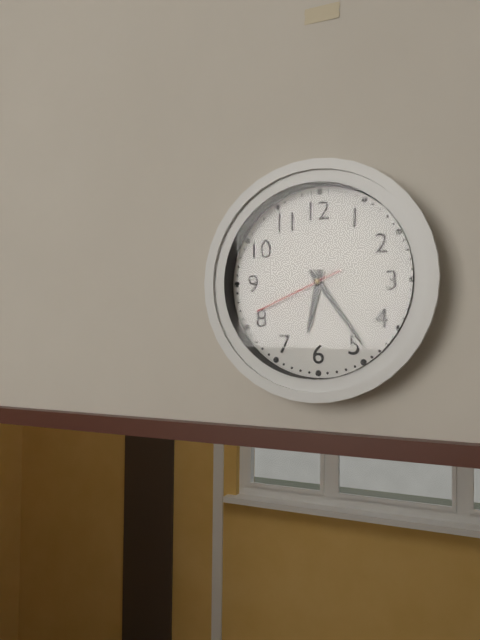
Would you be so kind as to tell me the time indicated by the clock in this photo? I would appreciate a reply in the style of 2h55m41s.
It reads 6h24m41s
